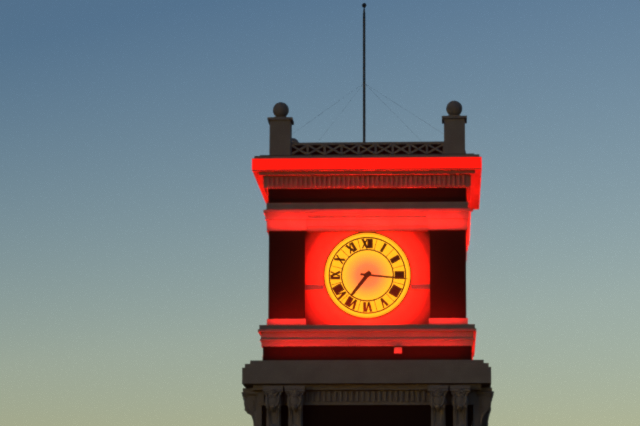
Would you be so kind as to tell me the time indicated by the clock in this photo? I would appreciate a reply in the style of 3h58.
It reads 7h16
